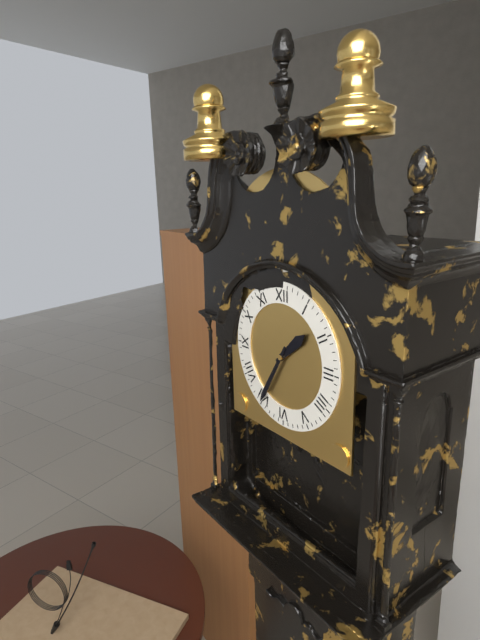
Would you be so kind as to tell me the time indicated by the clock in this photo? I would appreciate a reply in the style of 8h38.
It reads 1h35
